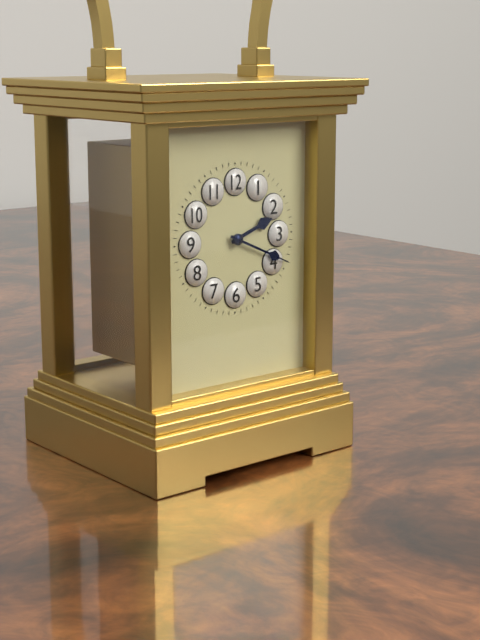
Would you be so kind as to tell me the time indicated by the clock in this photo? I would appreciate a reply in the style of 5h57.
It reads 2h19
